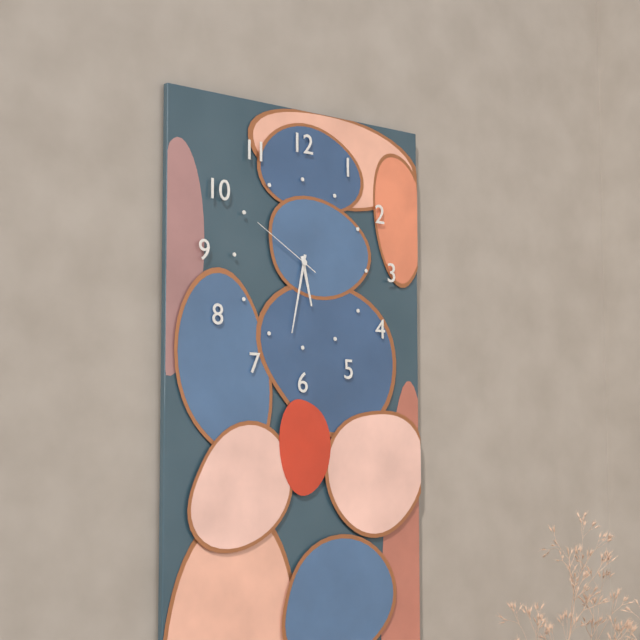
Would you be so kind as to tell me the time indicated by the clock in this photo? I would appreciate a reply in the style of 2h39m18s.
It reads 5h32m50s
